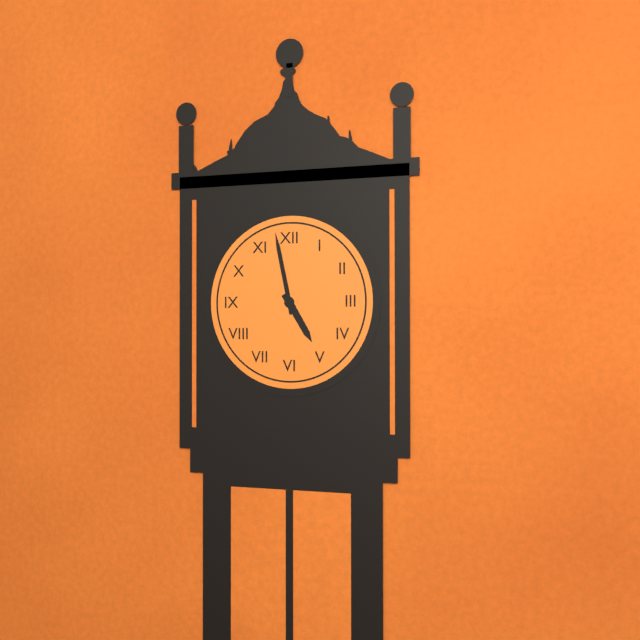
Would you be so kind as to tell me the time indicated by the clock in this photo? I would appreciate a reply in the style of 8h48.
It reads 4h58
